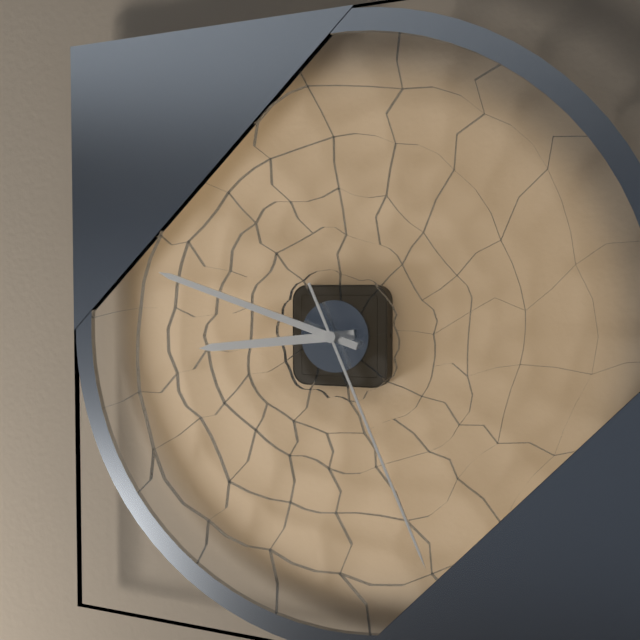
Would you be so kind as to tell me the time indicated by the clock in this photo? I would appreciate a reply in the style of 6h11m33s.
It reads 8h48m26s
